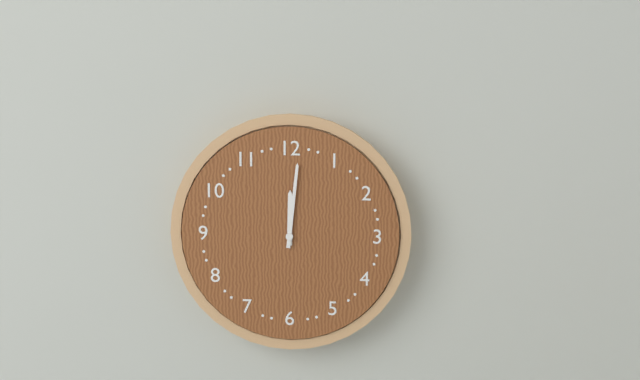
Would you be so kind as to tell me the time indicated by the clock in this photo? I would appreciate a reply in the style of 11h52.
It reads 12h01
